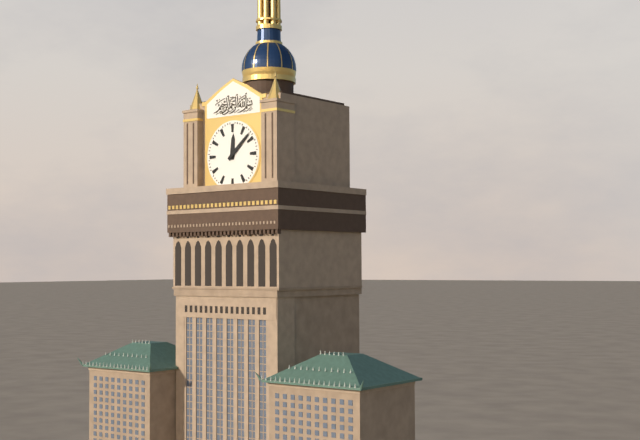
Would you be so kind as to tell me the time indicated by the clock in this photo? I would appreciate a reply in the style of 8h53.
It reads 12h08
